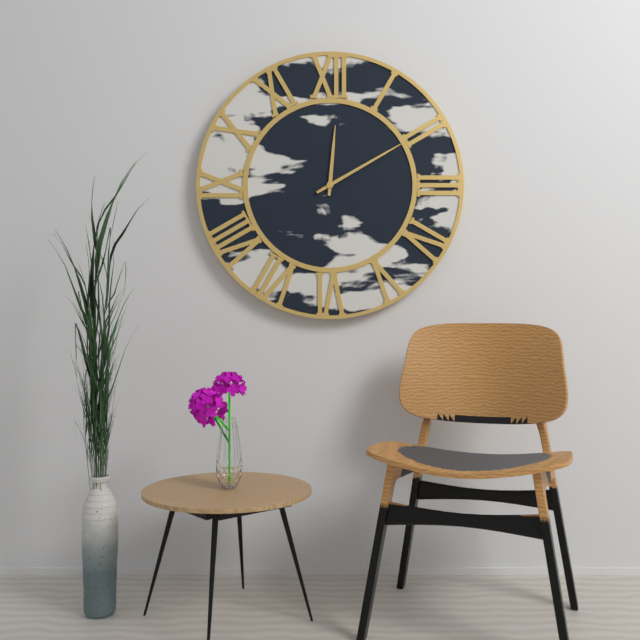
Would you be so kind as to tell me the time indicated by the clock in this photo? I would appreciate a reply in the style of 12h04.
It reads 12h10
